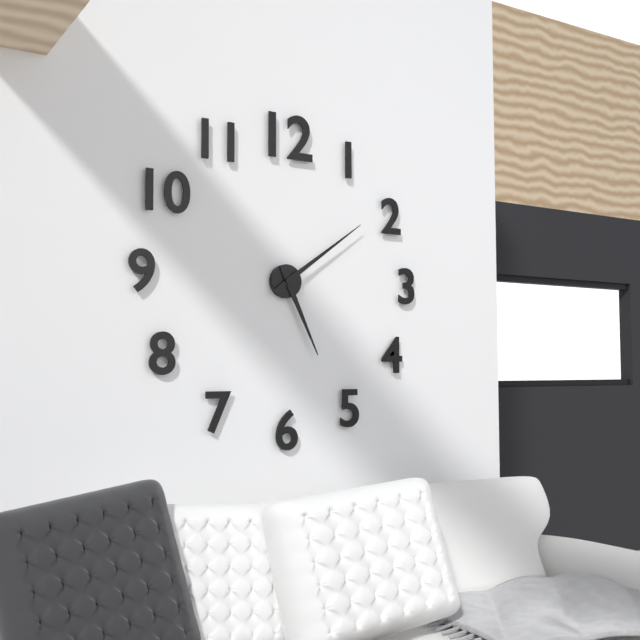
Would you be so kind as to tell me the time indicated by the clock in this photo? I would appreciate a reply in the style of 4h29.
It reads 5h09
